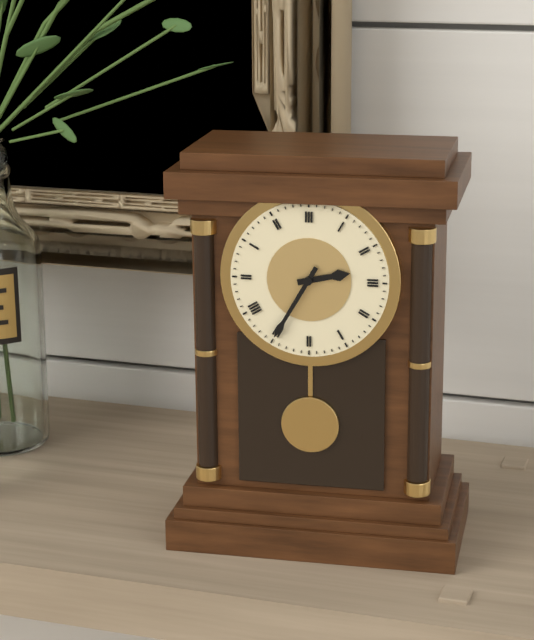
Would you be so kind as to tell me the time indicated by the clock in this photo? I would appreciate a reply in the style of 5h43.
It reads 2h35
